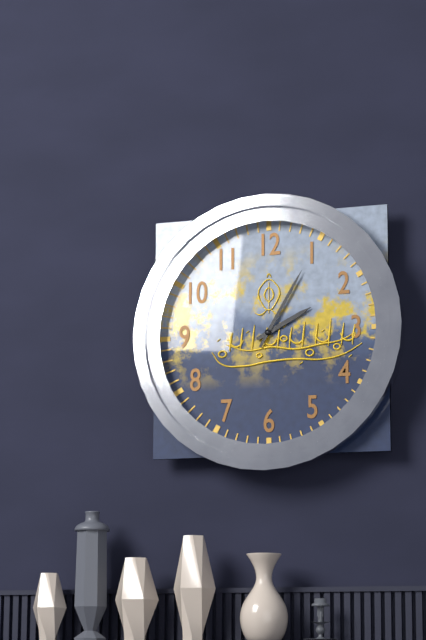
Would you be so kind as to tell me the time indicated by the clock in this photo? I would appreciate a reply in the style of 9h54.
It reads 2h05
